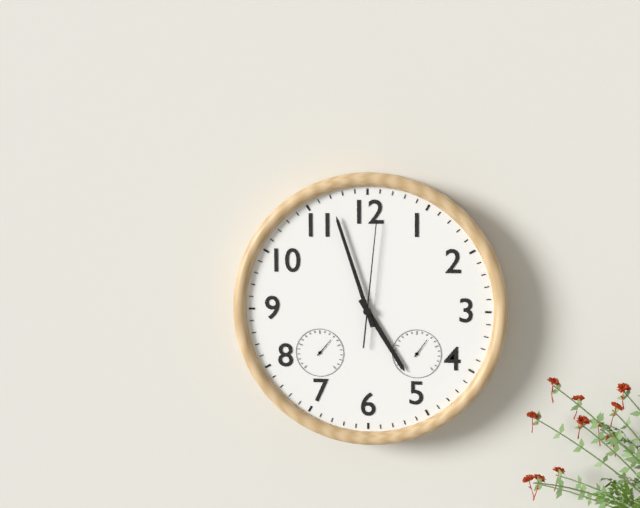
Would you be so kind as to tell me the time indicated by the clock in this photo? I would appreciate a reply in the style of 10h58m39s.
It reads 4h57m01s
